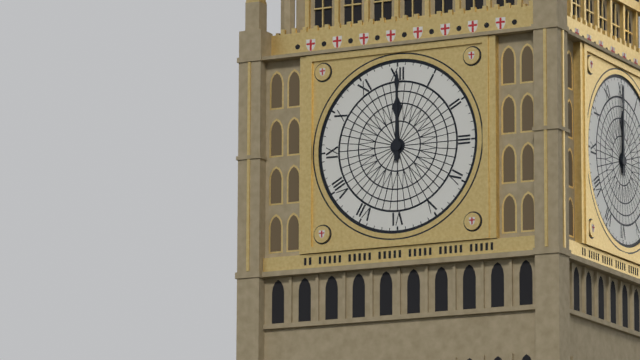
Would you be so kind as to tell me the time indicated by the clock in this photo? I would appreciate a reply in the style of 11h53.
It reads 12h00
